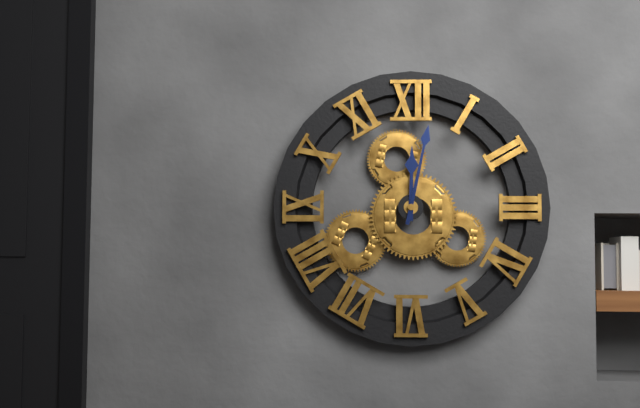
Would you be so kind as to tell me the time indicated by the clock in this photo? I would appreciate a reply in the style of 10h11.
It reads 12h02
